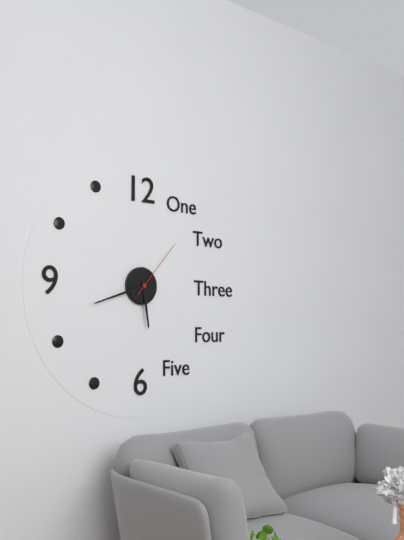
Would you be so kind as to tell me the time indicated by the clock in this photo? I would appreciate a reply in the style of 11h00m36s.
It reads 5h42m07s
